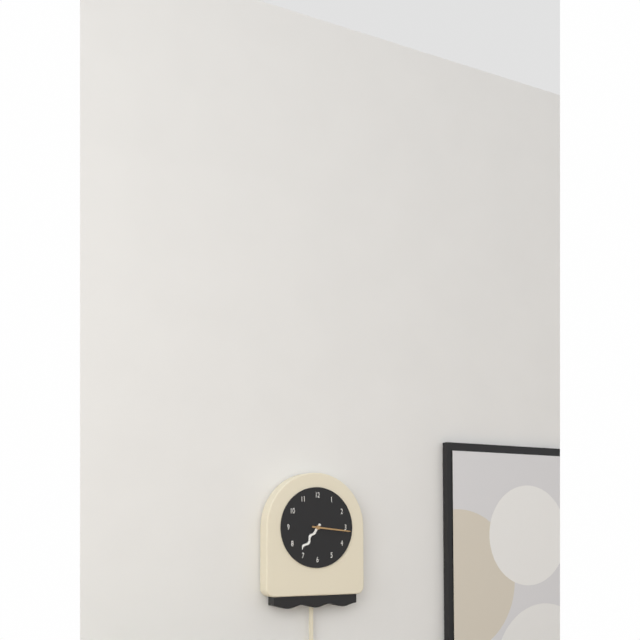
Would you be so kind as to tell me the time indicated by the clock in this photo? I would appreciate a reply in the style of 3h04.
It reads 7h16
